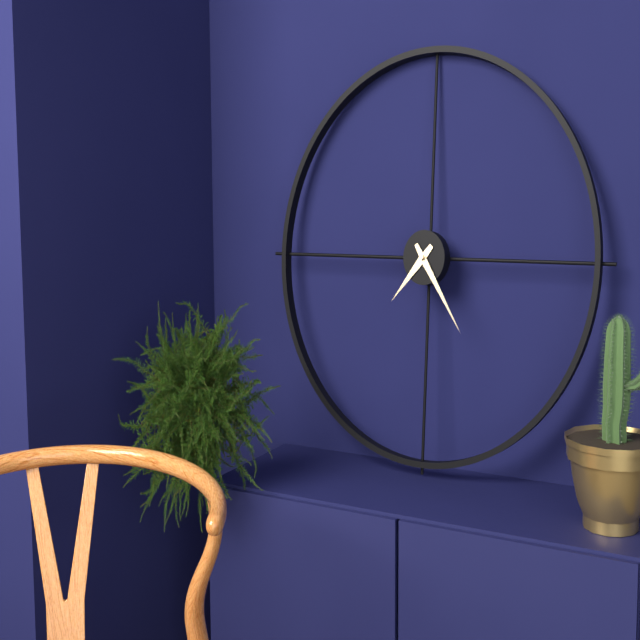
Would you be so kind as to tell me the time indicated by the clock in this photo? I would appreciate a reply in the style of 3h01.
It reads 7h24
